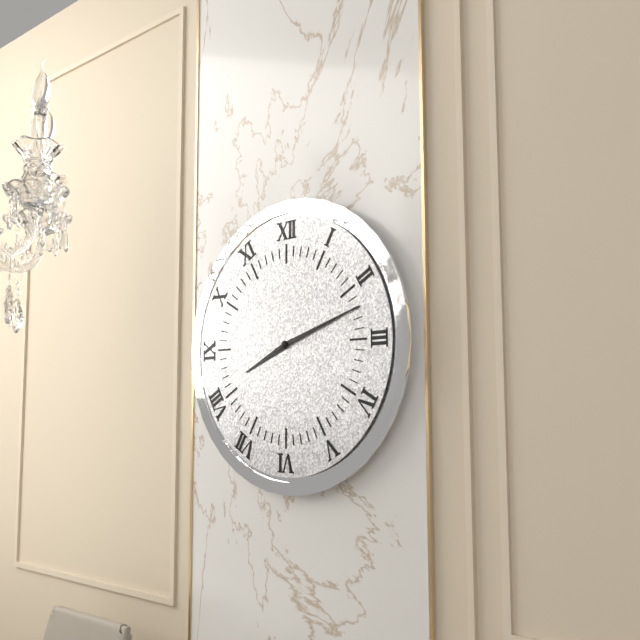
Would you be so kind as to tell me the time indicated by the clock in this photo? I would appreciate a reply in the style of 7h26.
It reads 8h12
